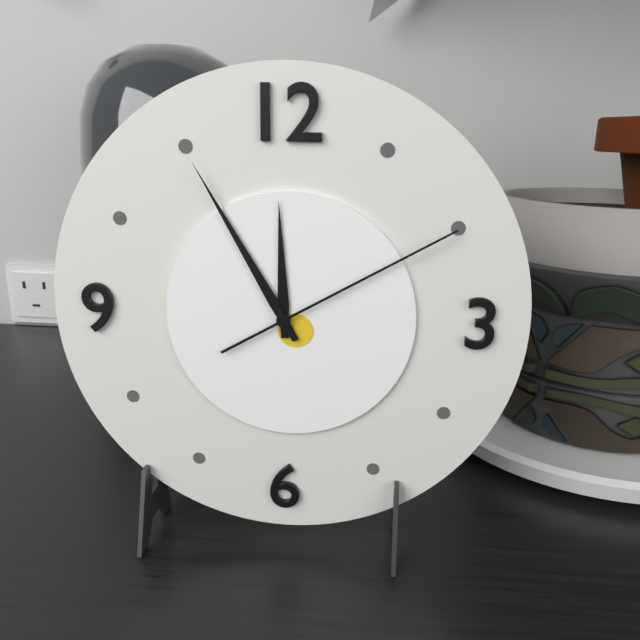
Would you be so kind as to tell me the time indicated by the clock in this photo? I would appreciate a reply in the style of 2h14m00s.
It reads 11h55m10s
